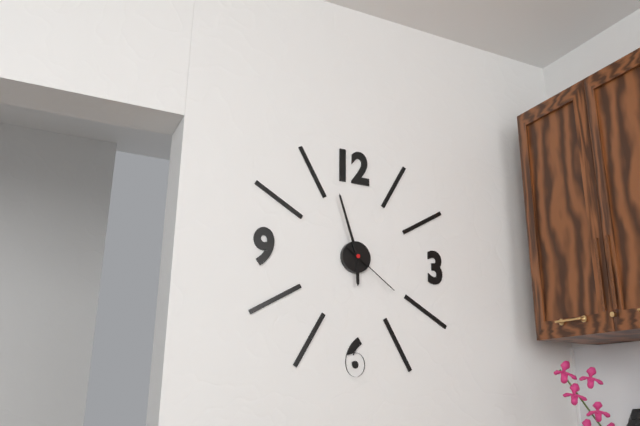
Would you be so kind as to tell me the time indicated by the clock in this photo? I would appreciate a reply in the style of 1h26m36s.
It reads 5h57m21s
